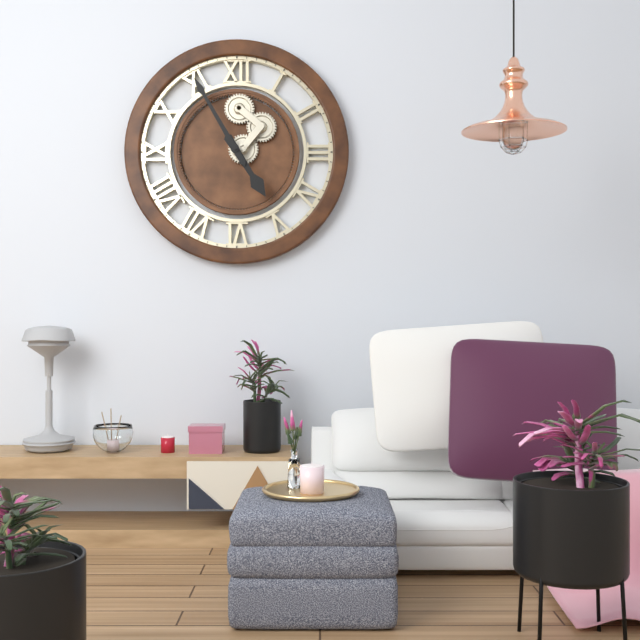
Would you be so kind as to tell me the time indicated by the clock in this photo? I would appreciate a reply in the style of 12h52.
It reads 4h55
